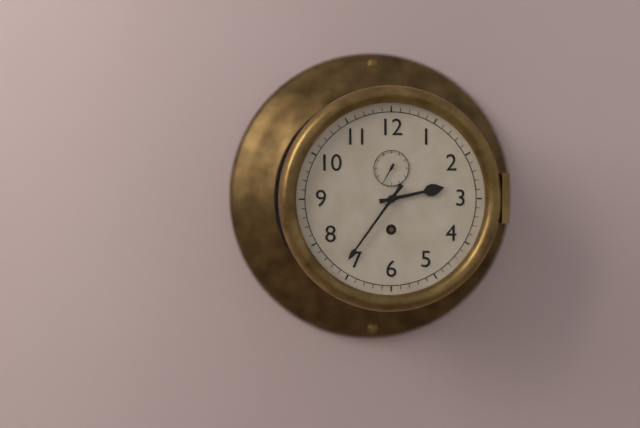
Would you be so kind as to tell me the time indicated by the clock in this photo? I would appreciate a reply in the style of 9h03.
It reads 2h36
